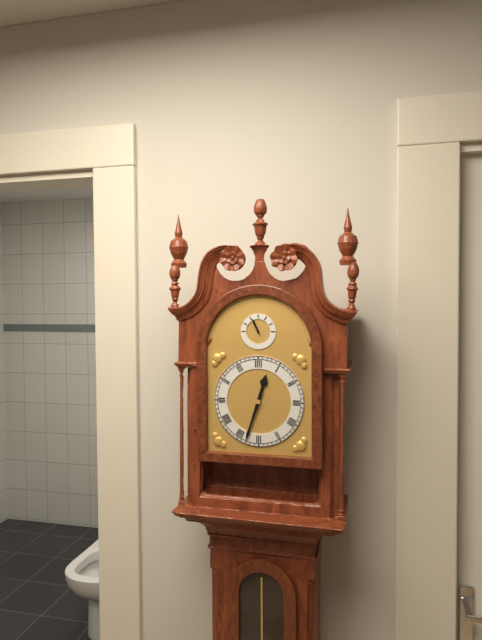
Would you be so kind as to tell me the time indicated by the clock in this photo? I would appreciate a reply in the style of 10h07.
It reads 12h33
